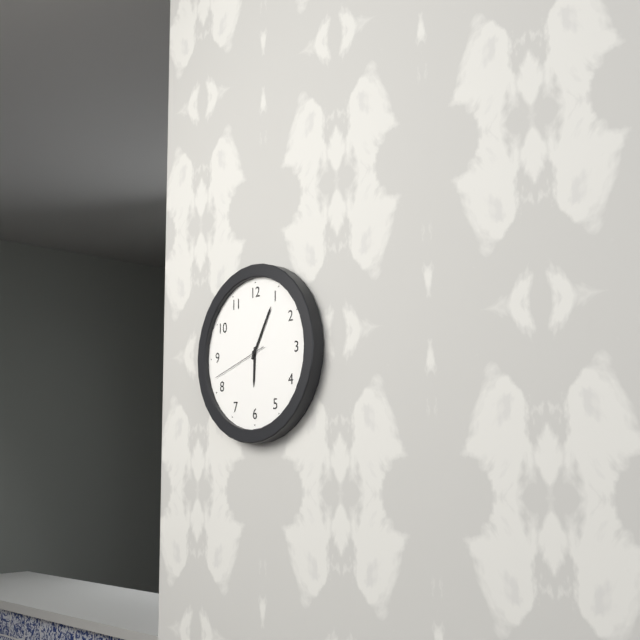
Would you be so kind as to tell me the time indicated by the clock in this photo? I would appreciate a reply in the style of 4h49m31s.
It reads 6h05m42s
